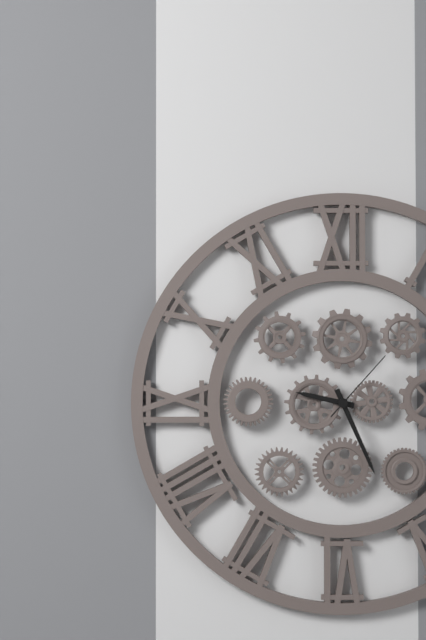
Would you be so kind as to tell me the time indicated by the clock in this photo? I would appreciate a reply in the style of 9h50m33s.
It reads 9h26m07s
